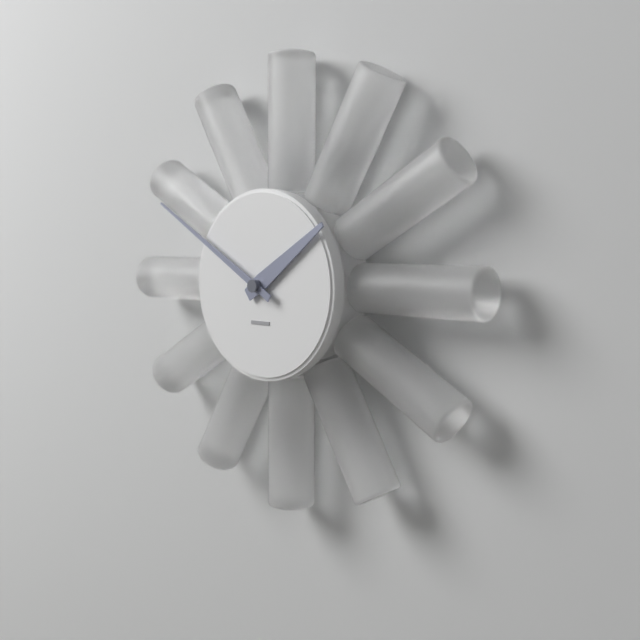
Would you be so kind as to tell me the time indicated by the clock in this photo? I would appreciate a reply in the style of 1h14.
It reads 1h50
